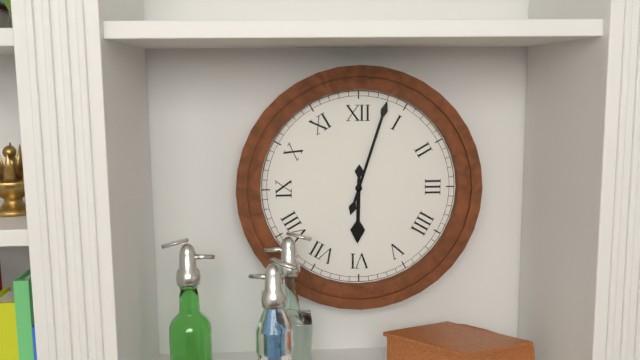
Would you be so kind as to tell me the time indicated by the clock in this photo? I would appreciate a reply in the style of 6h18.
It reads 6h03
